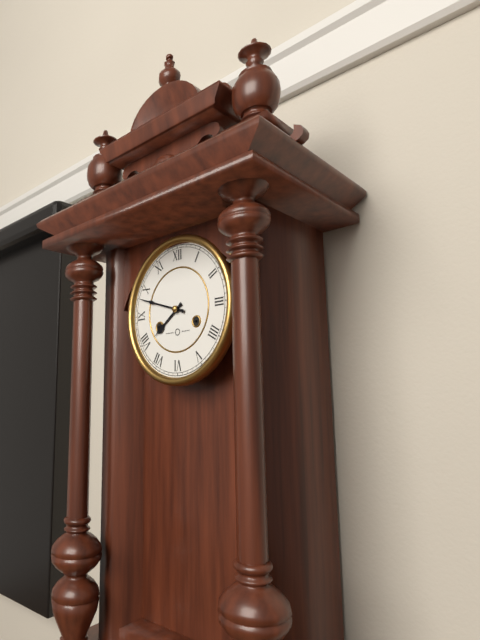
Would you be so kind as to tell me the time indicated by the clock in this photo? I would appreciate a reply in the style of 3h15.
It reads 7h48
